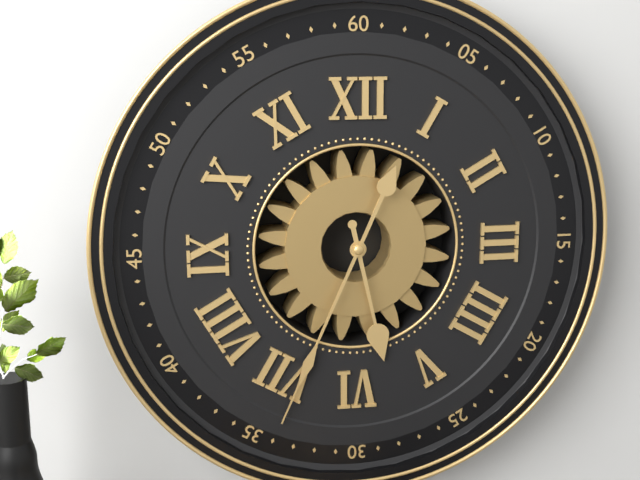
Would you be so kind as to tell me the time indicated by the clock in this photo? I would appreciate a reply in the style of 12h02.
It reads 5h34
